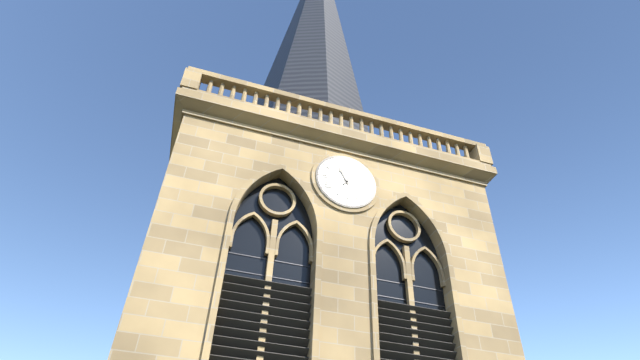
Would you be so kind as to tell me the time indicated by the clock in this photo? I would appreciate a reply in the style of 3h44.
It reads 11h05
